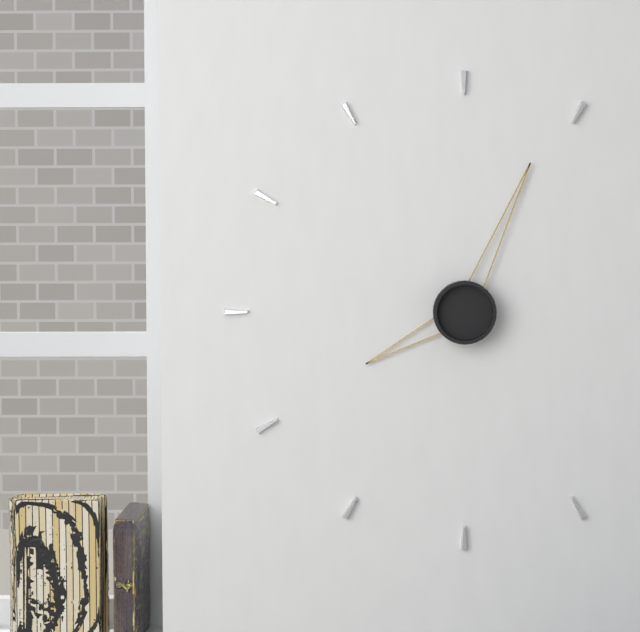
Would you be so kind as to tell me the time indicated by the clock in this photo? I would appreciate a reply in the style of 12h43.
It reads 8h04
